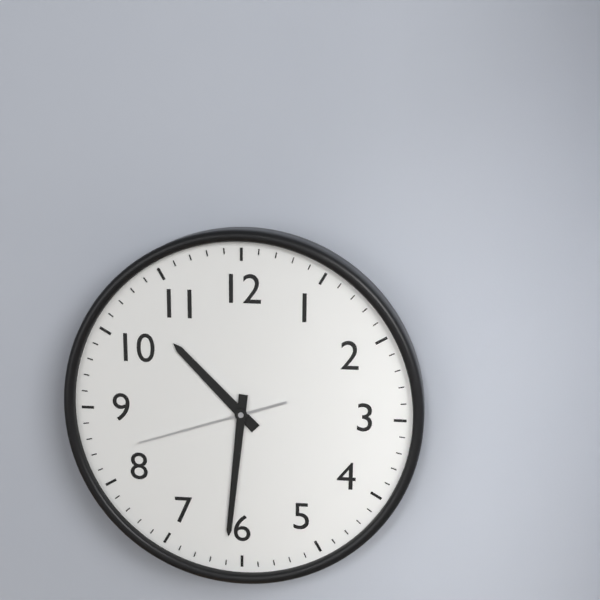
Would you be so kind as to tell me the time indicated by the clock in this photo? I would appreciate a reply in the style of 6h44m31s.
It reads 10h31m42s
